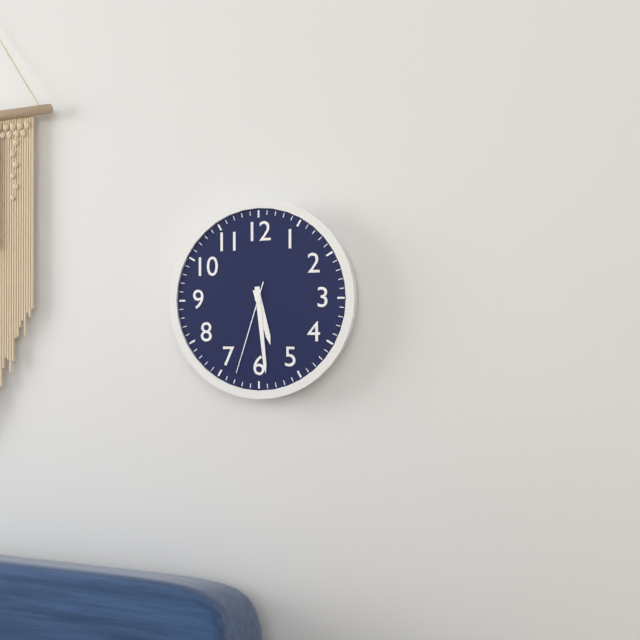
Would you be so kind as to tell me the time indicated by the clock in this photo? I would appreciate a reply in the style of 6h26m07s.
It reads 5h29m33s
